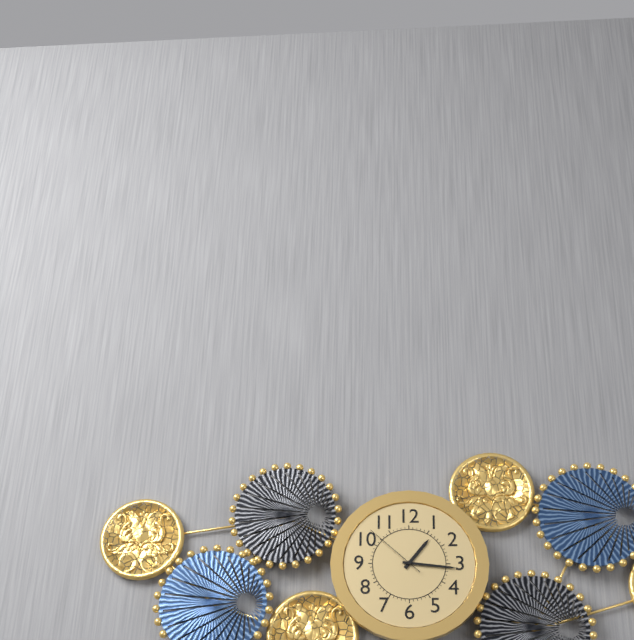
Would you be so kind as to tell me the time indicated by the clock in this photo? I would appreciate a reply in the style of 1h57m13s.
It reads 1h16m52s
